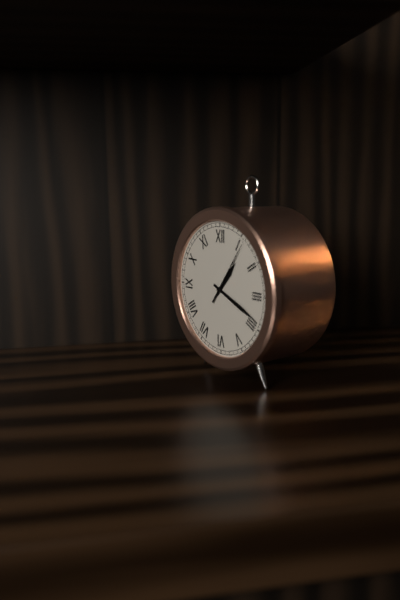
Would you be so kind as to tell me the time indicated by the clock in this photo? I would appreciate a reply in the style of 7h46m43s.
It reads 1h19m06s
